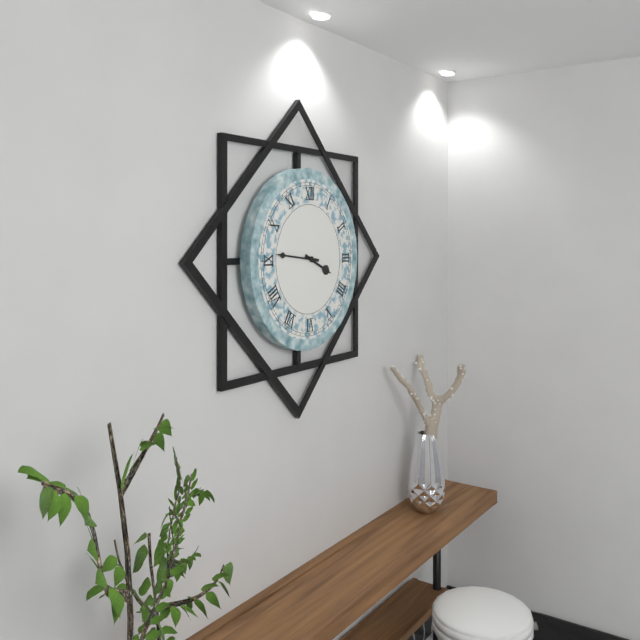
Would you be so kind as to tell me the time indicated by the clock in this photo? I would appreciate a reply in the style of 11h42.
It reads 3h46
